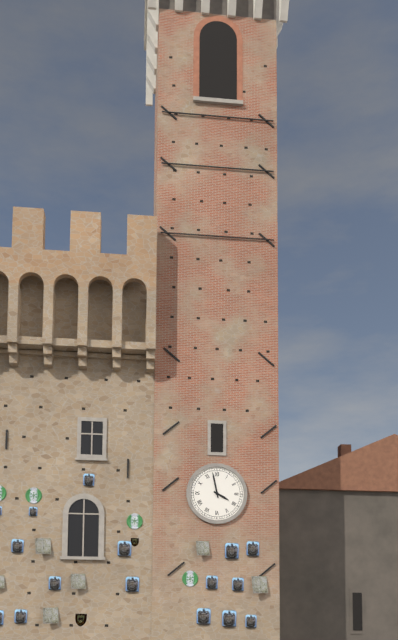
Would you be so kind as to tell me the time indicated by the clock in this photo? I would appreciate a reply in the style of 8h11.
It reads 3h58
